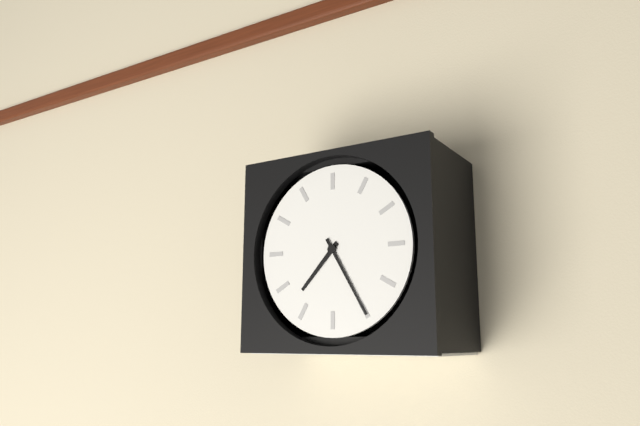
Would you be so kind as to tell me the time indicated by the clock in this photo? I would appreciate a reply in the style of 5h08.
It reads 7h25
